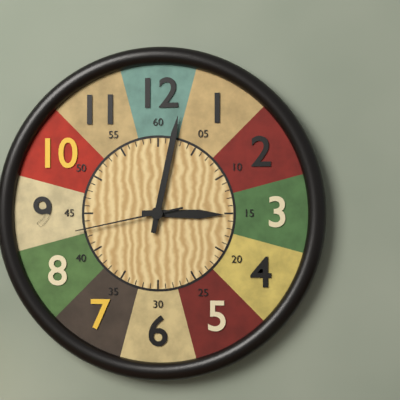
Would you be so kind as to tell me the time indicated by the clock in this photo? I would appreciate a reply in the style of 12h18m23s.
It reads 3h02m43s
